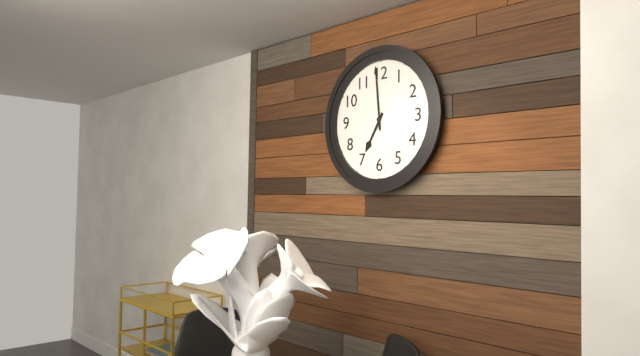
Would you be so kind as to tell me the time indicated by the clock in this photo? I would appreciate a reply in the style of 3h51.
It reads 6h59
